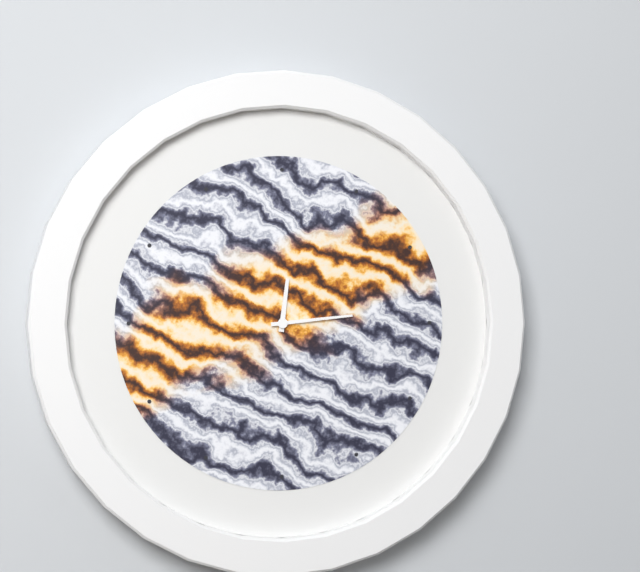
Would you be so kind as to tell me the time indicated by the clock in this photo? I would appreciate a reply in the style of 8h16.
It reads 12h14
